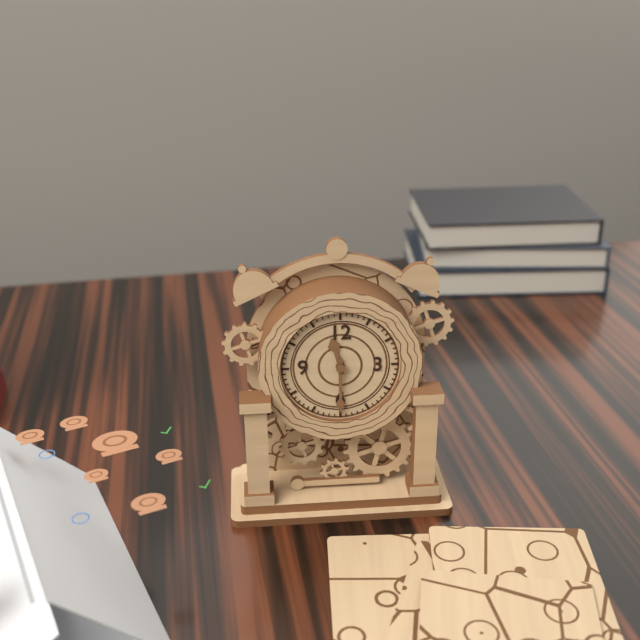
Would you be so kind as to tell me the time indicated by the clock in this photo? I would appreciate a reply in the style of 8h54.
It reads 11h30
